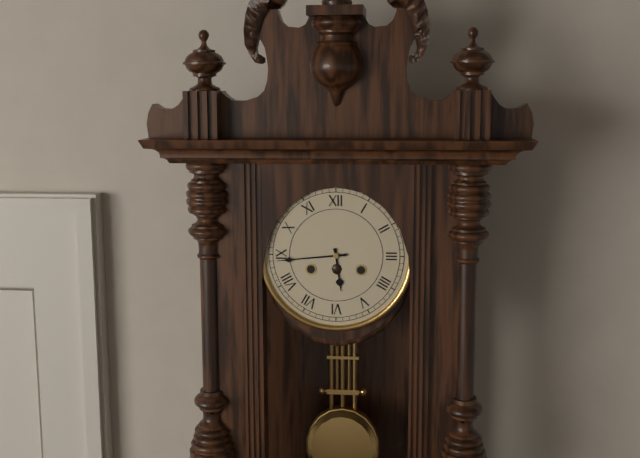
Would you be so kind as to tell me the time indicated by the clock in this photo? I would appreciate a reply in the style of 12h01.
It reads 5h44
